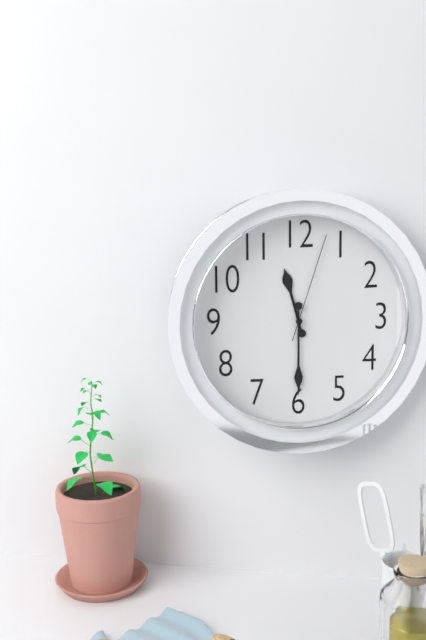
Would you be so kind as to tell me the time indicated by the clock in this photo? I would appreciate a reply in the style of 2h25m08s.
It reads 11h30m03s
